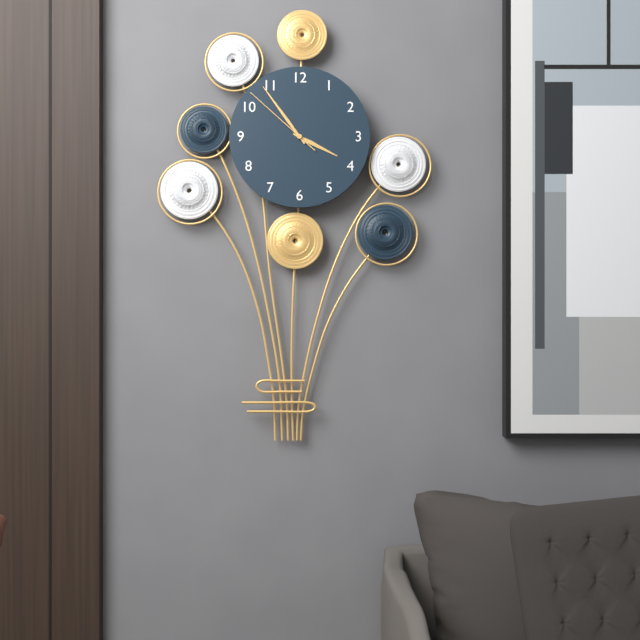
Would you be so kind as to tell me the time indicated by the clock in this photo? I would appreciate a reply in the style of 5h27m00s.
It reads 3h54m52s
